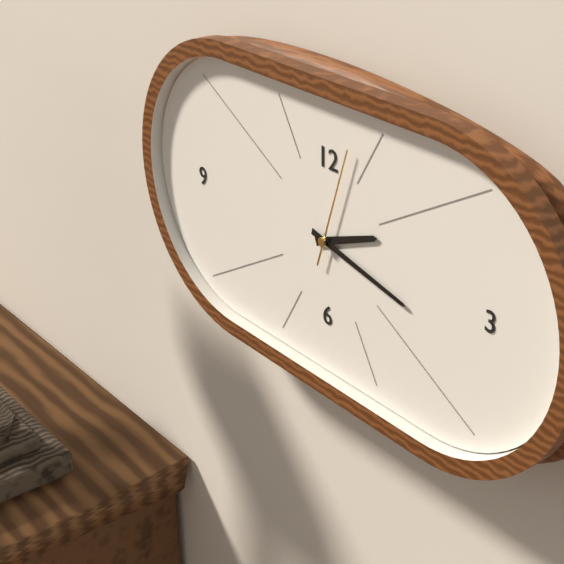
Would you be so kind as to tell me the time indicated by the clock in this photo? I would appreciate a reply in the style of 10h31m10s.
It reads 2h17m03s
